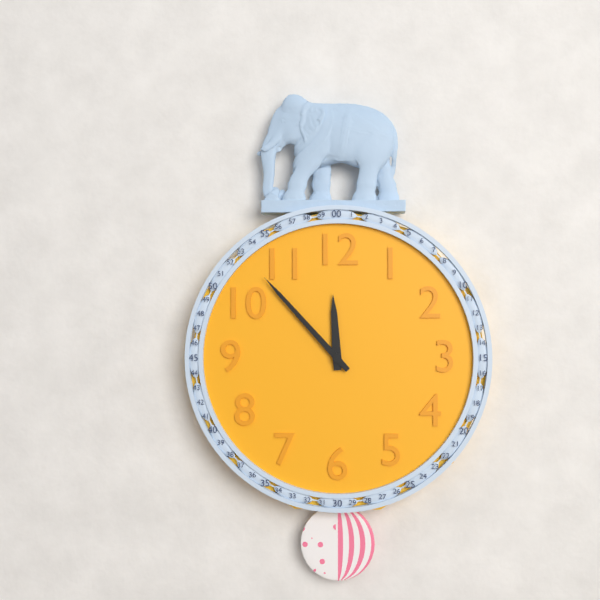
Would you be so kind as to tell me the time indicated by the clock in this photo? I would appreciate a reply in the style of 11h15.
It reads 11h53
